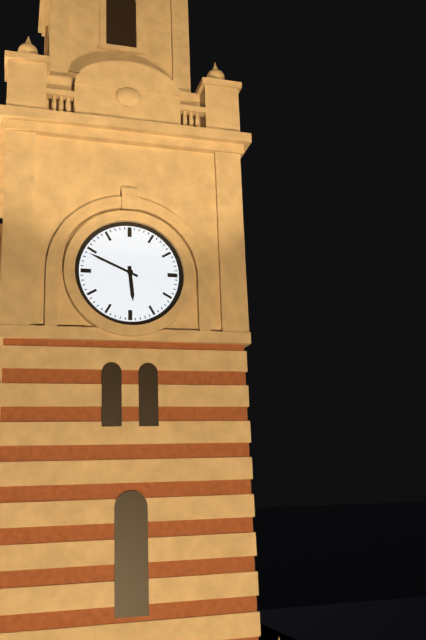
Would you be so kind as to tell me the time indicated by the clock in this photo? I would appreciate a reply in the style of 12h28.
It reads 5h49
